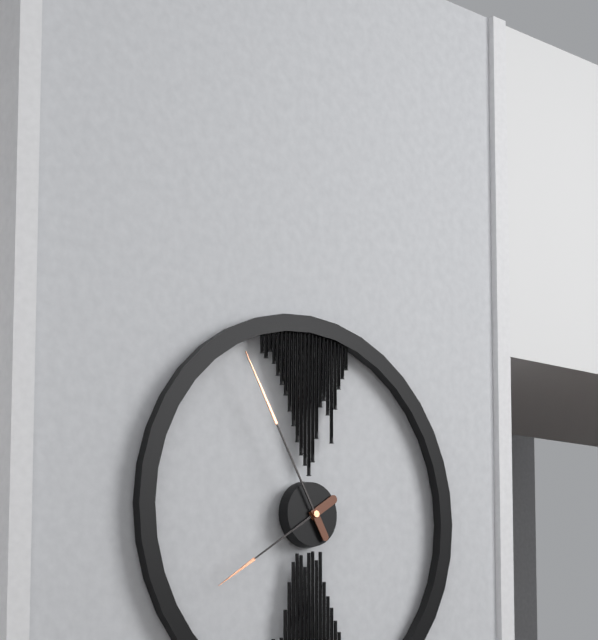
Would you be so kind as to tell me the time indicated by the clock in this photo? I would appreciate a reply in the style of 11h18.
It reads 7h55
